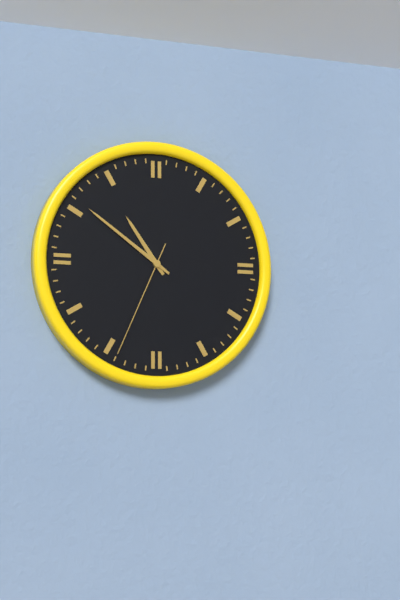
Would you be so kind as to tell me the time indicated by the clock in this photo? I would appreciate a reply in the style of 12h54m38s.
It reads 10h51m34s
